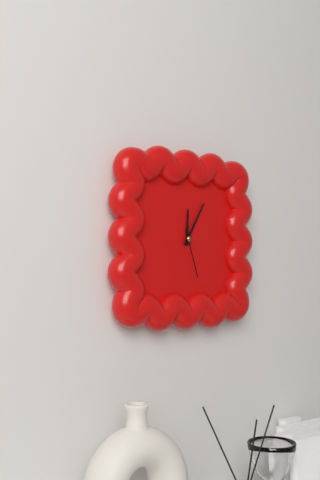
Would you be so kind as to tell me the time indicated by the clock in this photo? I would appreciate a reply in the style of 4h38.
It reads 12h05
